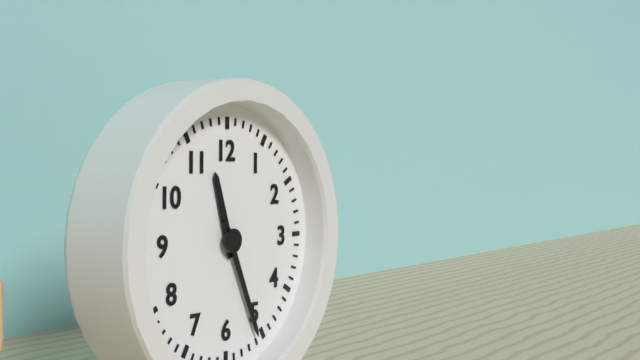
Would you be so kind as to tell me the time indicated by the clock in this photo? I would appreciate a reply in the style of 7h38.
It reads 11h26
